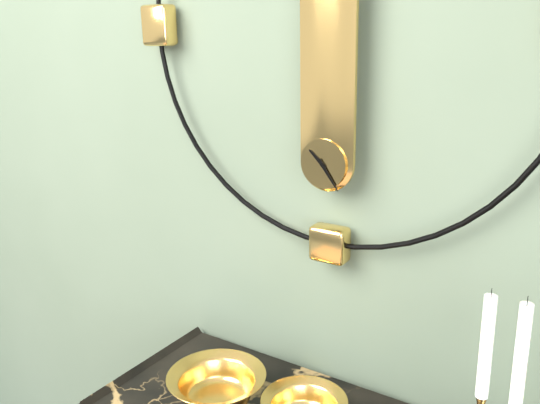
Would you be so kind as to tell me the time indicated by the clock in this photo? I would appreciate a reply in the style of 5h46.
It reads 10h24
